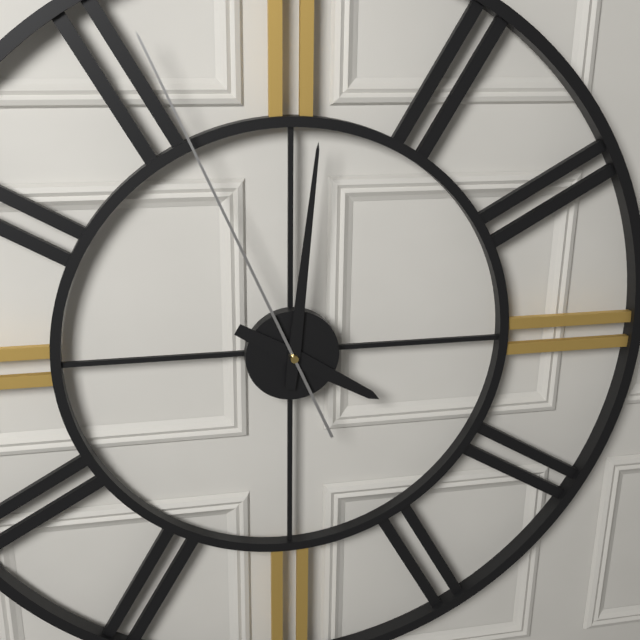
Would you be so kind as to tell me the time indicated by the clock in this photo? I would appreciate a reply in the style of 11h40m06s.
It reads 4h01m56s
